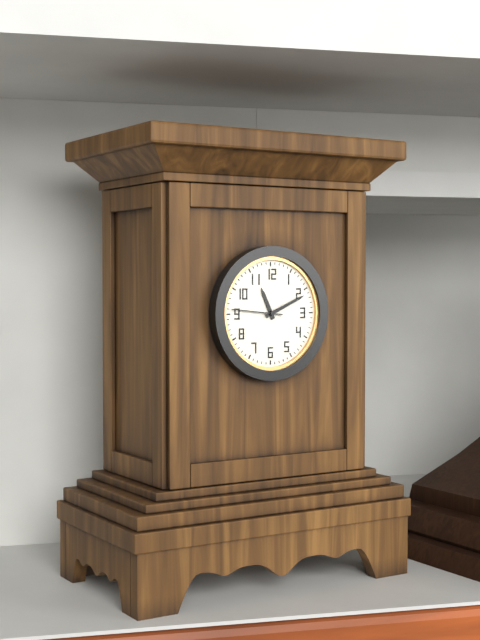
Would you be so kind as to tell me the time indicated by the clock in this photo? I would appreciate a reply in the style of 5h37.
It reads 11h11
